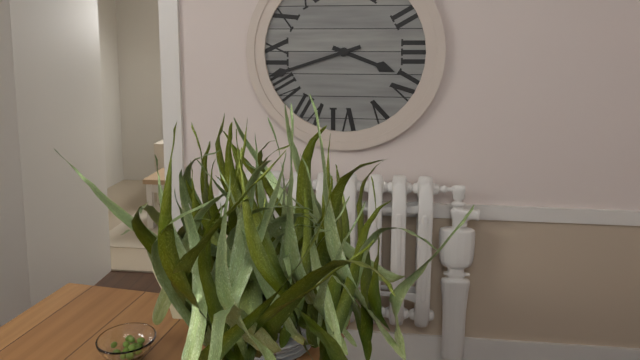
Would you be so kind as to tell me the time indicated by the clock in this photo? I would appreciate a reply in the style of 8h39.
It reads 3h42
